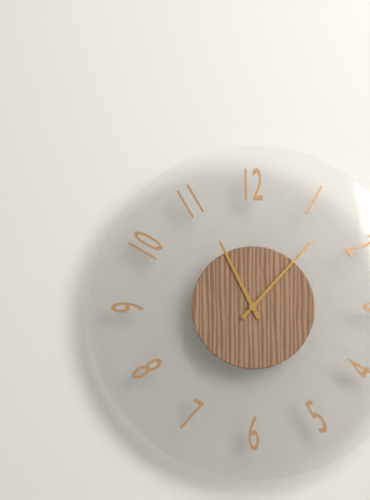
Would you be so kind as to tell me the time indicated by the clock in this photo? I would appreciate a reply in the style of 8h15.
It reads 11h07
